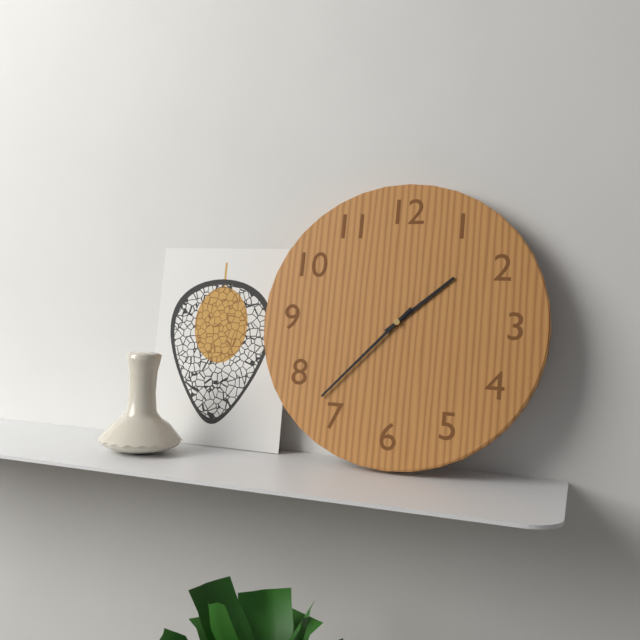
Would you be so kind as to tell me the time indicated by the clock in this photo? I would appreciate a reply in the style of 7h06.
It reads 1h37
